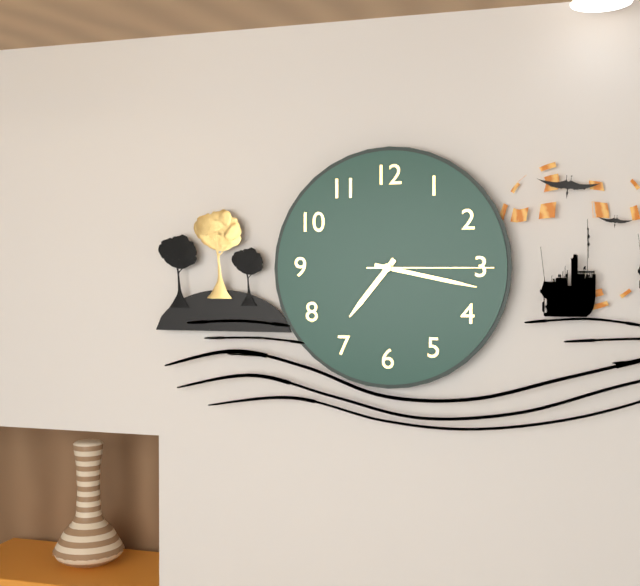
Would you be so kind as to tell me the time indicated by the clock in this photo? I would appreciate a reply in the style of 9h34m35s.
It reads 7h17m15s
